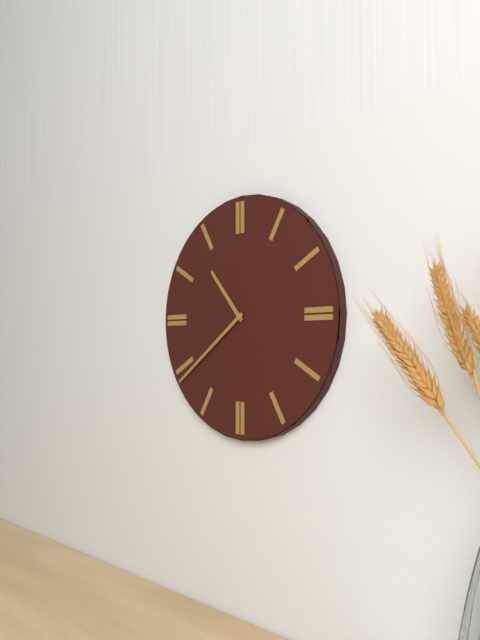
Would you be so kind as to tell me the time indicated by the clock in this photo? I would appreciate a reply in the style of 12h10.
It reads 10h39
